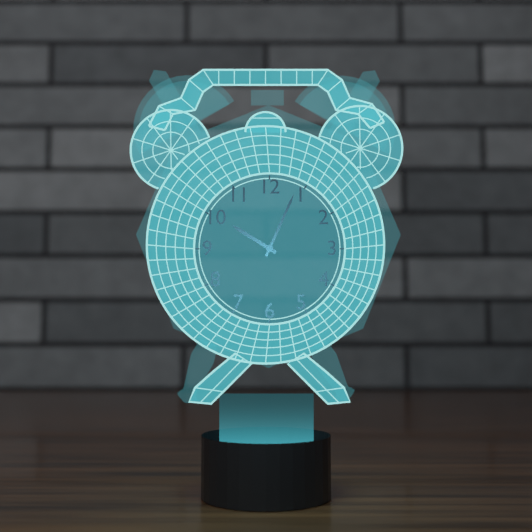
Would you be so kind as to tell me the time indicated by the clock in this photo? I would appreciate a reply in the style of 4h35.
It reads 10h04
